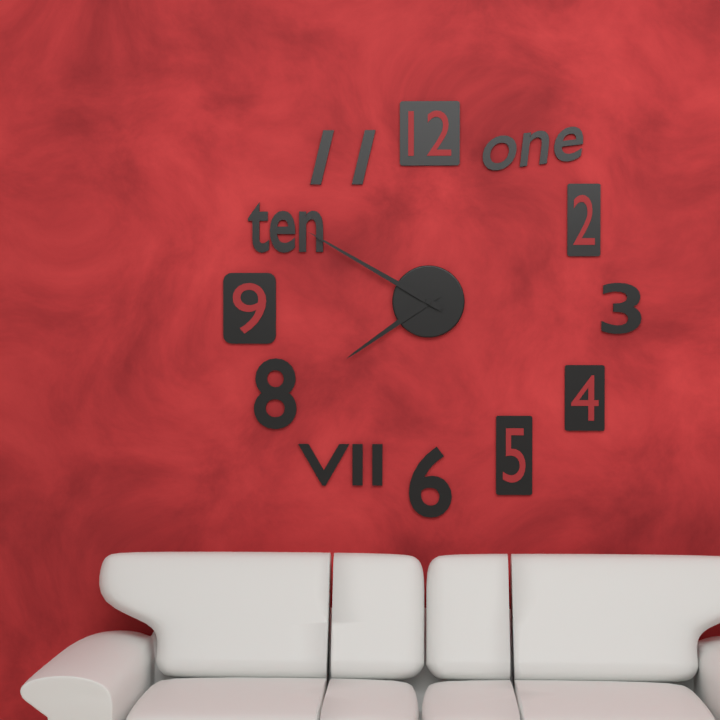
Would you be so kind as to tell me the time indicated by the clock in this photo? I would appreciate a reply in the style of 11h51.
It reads 7h50
